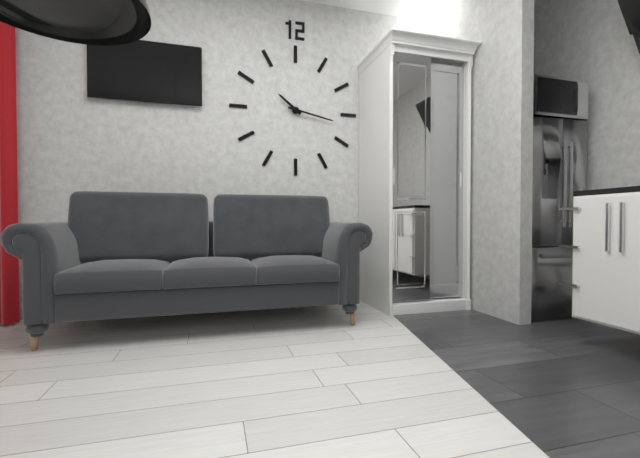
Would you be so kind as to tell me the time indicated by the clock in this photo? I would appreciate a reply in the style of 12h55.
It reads 10h17
